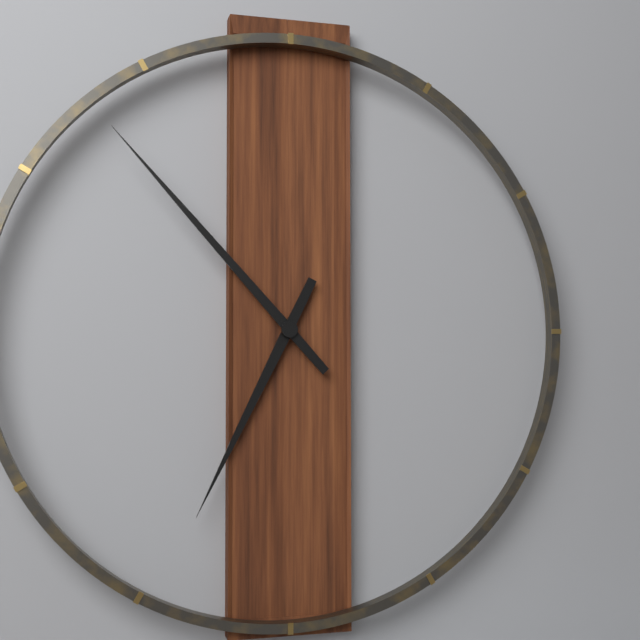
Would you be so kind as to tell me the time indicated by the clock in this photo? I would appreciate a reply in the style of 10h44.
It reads 6h53
